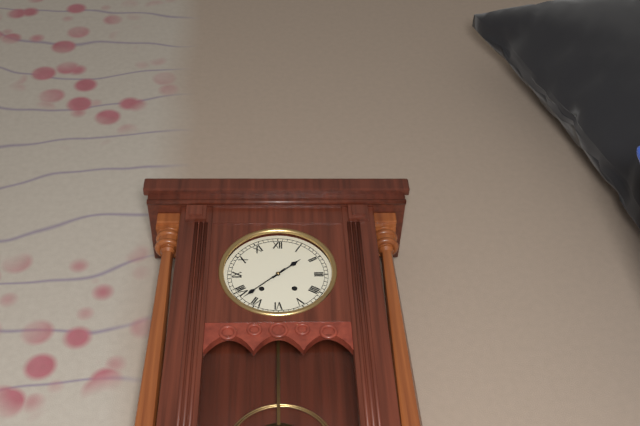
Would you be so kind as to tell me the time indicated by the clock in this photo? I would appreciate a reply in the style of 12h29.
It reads 1h38
